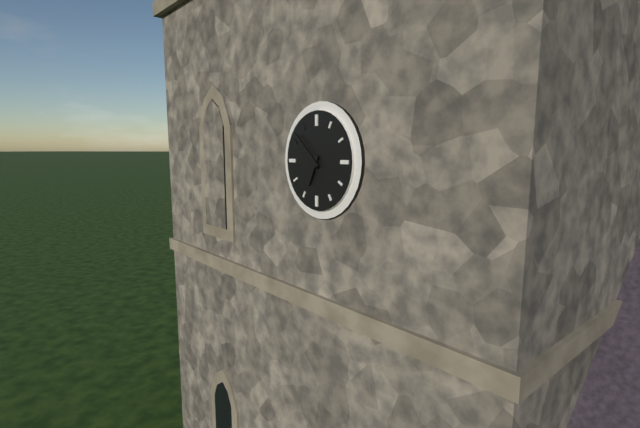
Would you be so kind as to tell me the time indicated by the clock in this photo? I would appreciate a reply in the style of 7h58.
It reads 6h52
